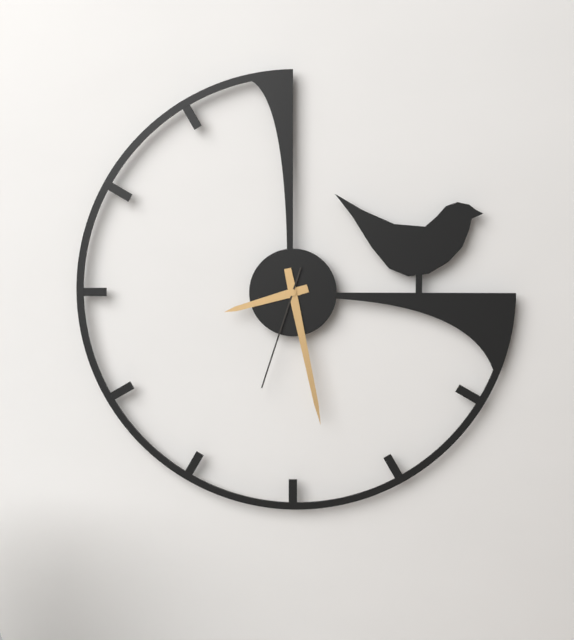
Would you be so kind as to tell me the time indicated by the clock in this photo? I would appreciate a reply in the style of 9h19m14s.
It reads 8h28m33s
